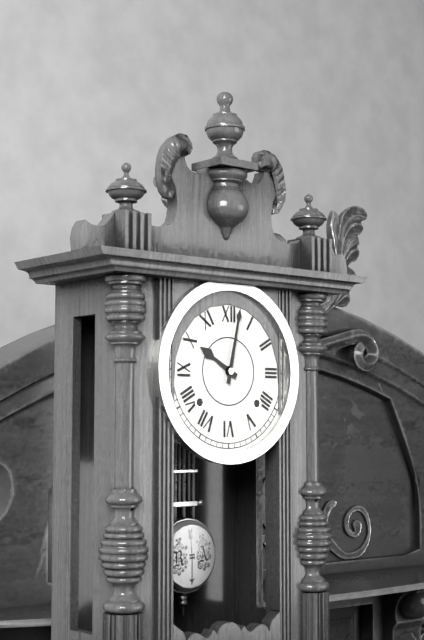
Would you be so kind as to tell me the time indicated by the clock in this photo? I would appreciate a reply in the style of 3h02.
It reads 10h02
